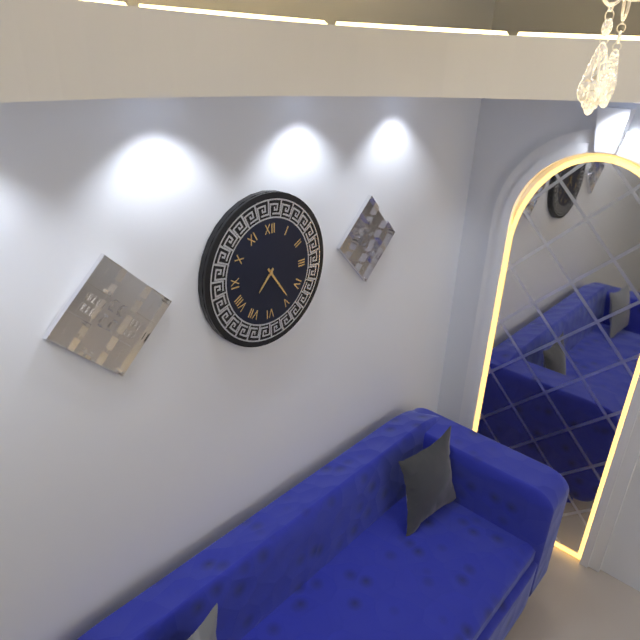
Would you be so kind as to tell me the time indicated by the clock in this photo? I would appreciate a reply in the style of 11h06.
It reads 7h24
